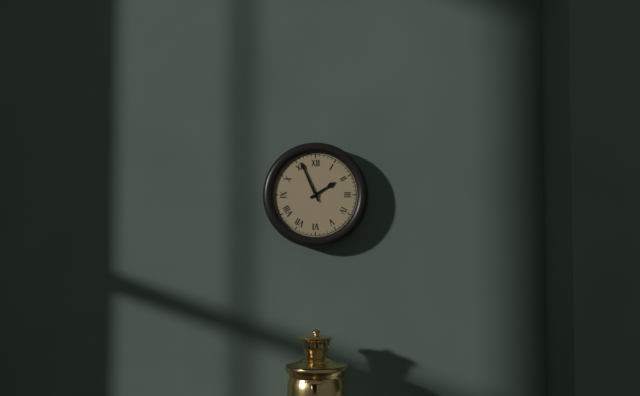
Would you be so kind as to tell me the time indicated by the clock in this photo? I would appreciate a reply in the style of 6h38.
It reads 1h56
